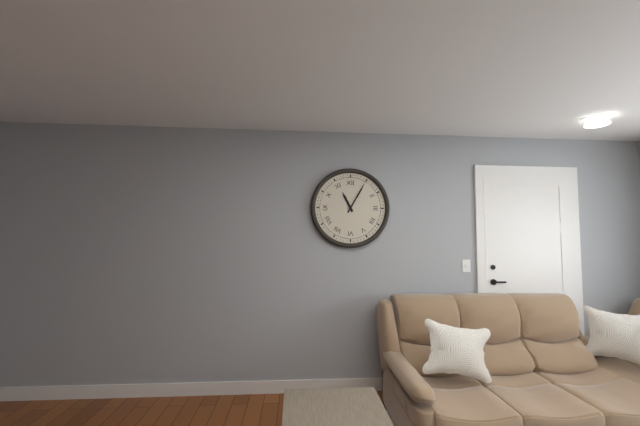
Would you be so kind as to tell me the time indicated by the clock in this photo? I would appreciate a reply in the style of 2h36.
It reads 11h05
